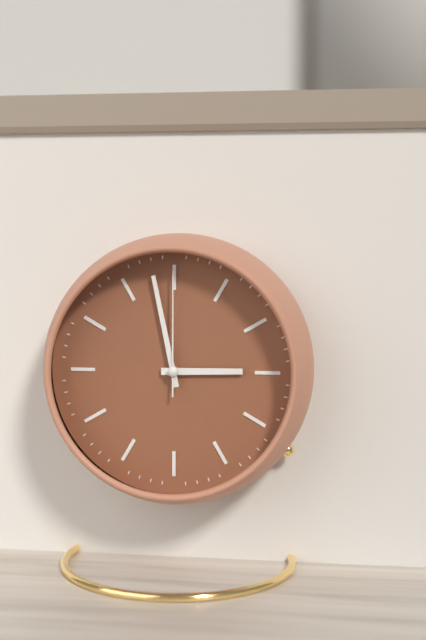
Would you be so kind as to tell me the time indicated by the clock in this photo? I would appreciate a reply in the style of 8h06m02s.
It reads 2h58m00s
